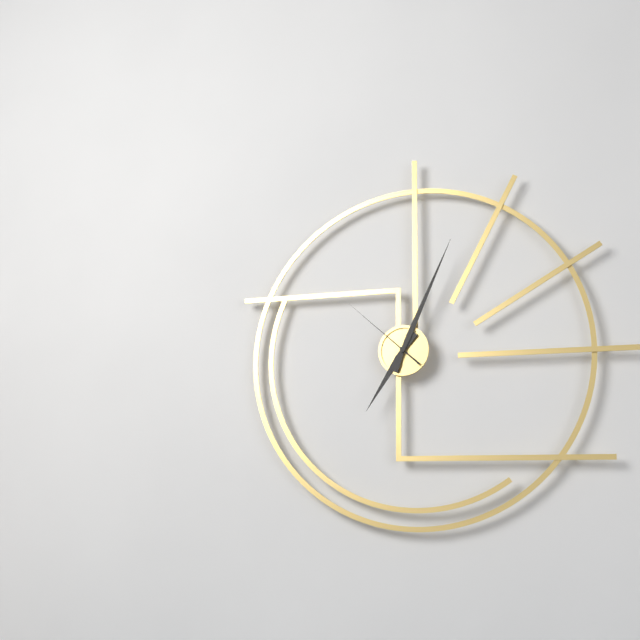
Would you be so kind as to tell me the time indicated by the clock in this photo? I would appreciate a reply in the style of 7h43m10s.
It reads 7h04m52s
